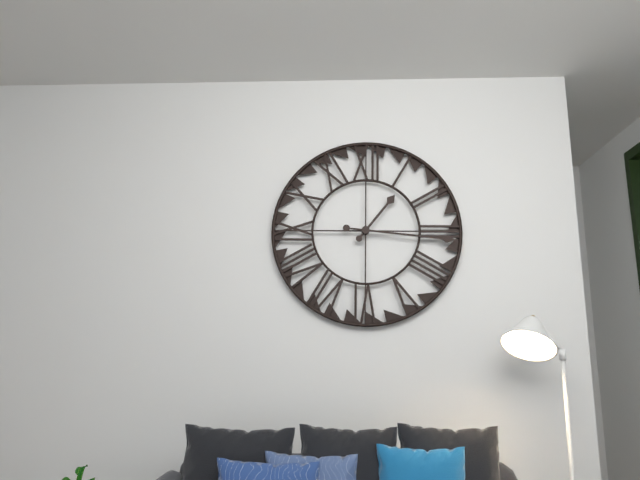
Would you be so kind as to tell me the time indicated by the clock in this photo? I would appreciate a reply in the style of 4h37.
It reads 1h16
